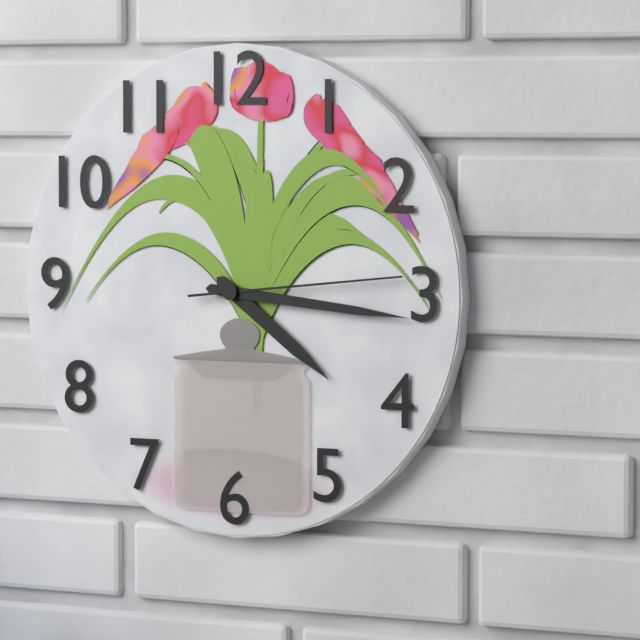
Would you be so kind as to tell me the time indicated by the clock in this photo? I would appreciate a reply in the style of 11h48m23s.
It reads 4h16m14s
